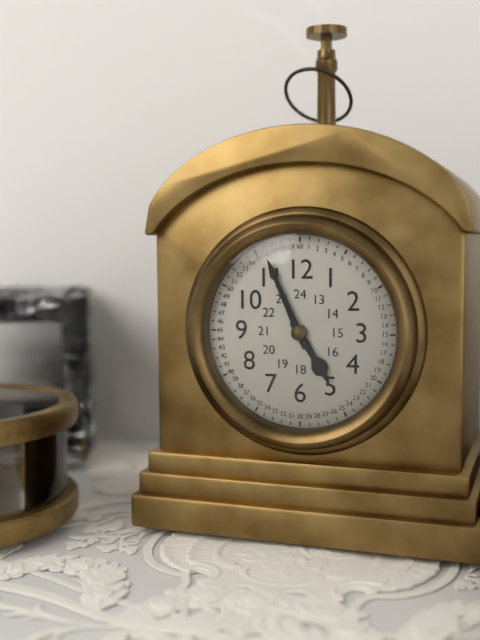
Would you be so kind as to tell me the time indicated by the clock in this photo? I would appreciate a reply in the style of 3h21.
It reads 4h56
